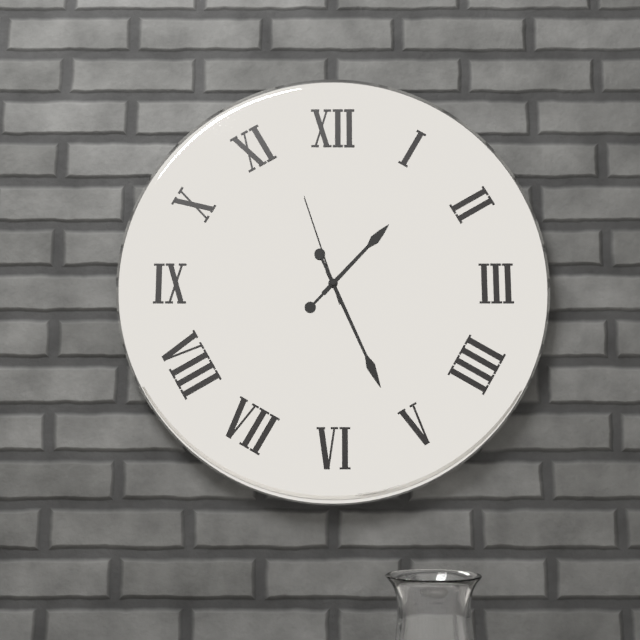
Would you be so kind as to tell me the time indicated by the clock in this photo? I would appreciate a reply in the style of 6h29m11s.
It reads 1h26m57s
